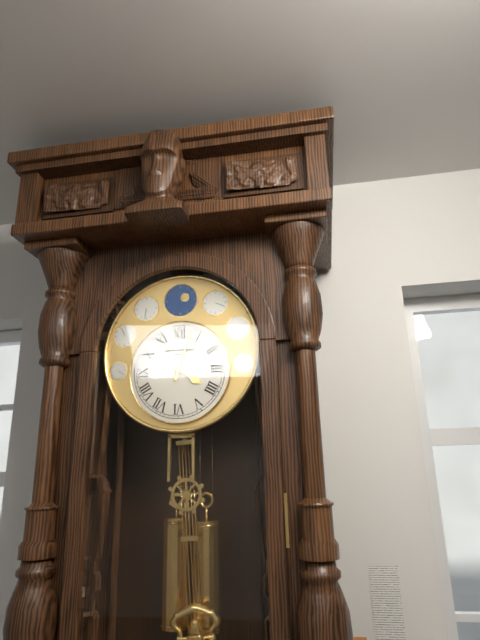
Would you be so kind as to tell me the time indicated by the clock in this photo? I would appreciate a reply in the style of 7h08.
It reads 4h03
